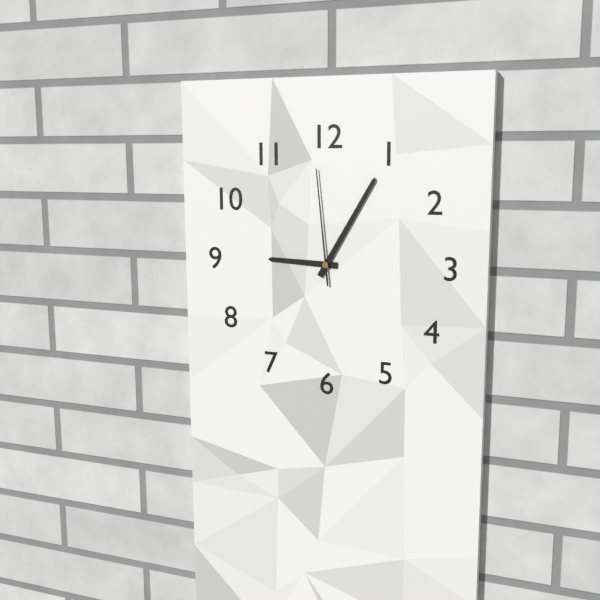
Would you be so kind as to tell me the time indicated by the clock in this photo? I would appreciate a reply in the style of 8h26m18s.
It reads 9h05m59s
